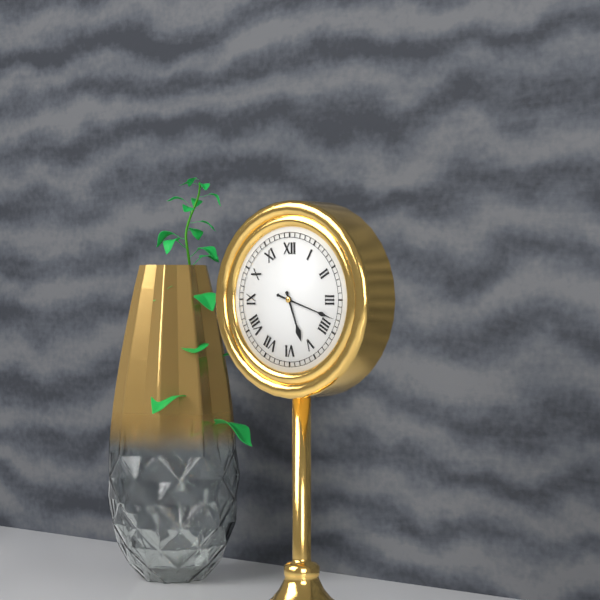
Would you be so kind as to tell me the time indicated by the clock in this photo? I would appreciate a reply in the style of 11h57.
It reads 5h18
